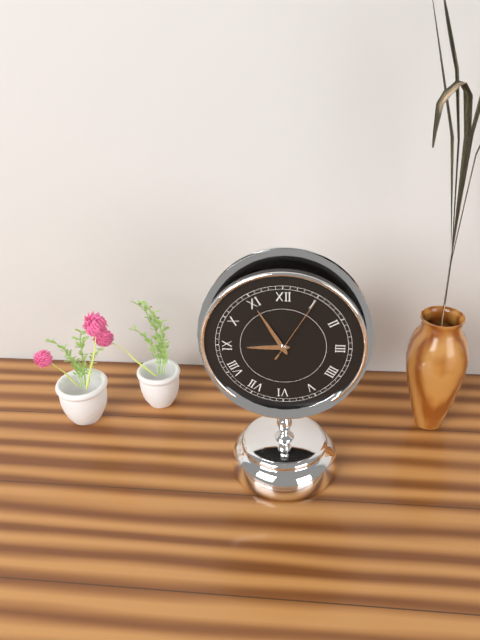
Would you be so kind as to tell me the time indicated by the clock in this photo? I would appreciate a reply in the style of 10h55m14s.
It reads 8h55m05s
